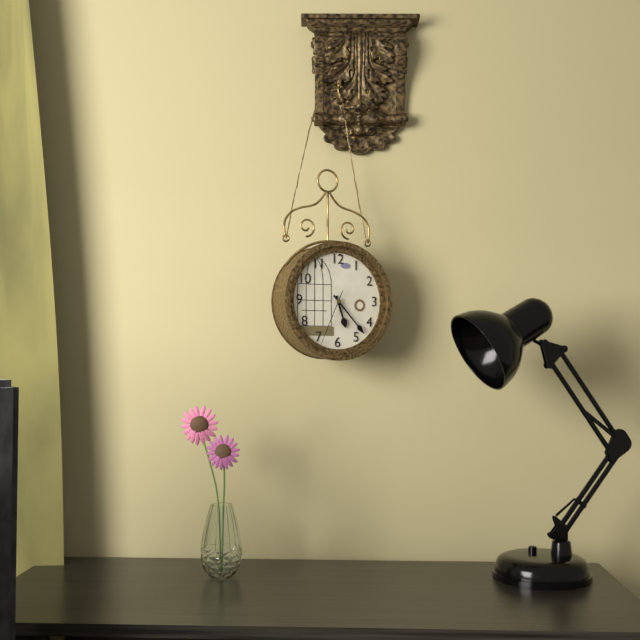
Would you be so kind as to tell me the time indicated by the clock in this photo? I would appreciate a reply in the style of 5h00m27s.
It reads 5h23m34s
